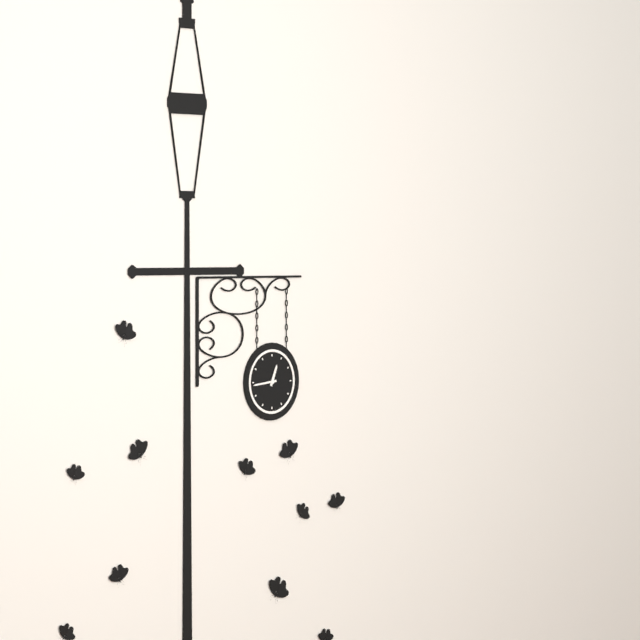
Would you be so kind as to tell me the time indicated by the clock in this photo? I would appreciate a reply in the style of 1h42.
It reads 12h44
